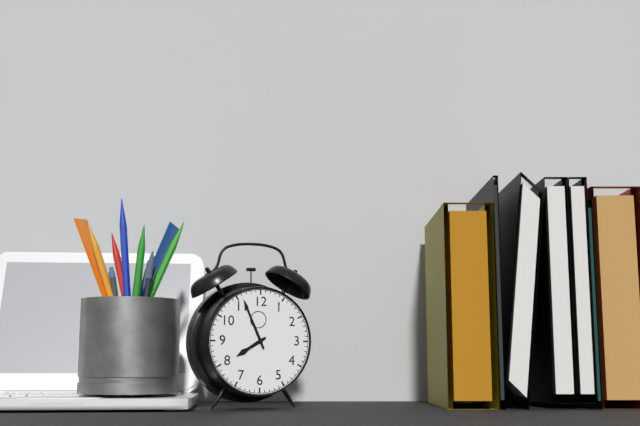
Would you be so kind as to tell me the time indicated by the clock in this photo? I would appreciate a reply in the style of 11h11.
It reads 7h56
